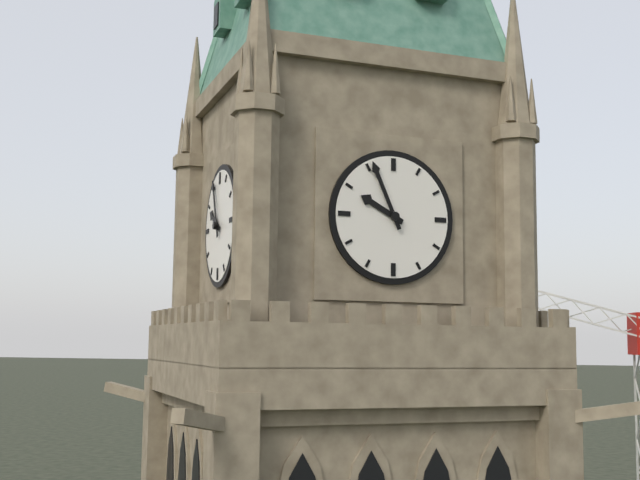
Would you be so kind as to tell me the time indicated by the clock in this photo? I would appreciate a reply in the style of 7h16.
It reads 9h56
